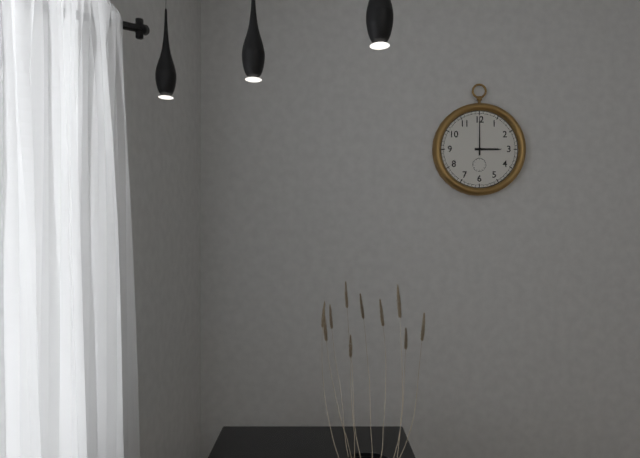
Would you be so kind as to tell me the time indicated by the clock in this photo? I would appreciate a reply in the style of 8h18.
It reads 3h00
